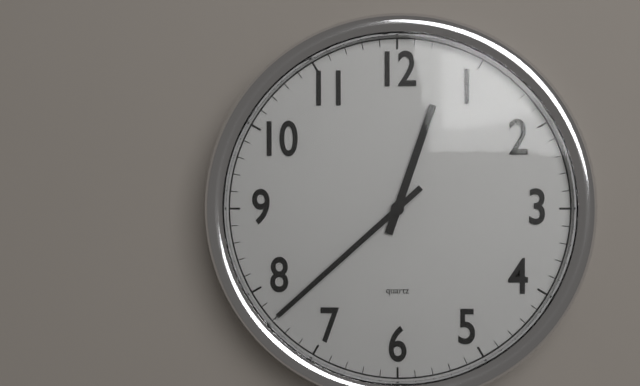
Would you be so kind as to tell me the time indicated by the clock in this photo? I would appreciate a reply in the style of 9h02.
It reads 12h38
